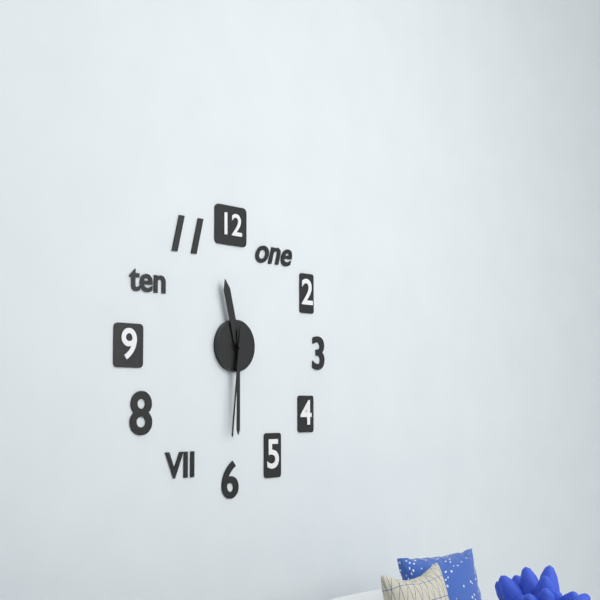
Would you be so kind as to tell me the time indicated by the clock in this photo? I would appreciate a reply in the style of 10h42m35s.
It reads 11h30m31s
